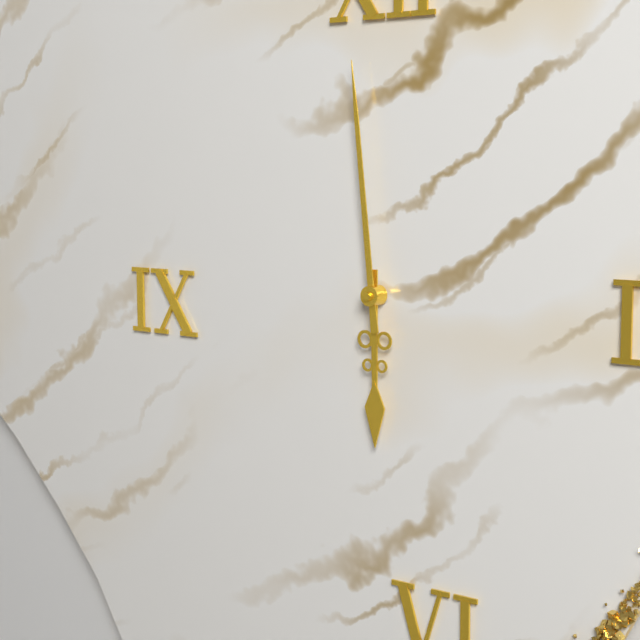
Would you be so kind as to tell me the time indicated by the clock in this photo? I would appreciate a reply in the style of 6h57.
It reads 5h59
